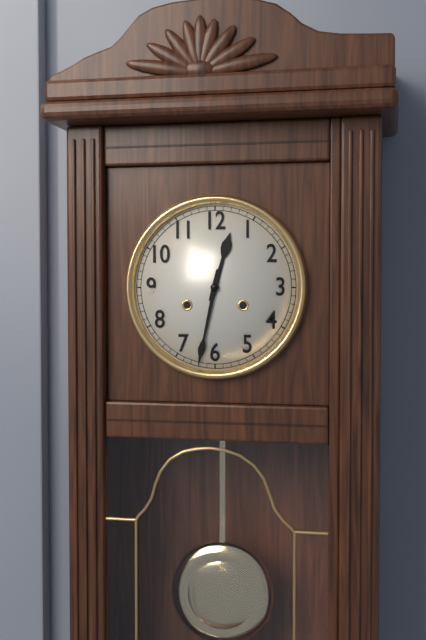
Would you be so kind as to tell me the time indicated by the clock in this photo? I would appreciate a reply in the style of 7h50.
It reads 12h32
